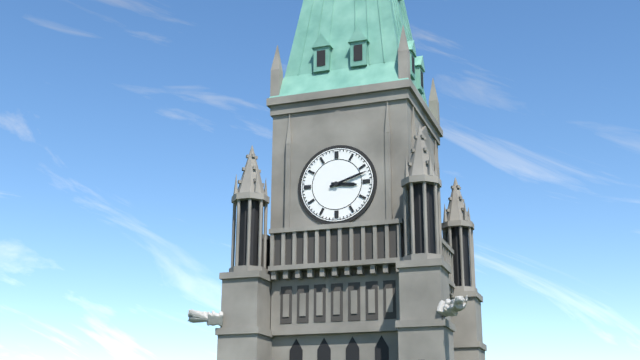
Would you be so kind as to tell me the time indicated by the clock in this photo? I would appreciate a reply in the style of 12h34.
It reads 3h12
